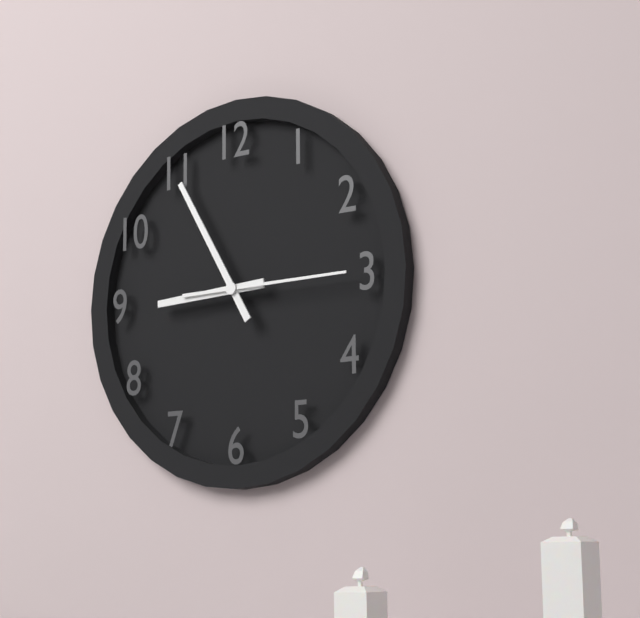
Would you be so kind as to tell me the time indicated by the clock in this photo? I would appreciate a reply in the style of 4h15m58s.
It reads 8h55m15s
